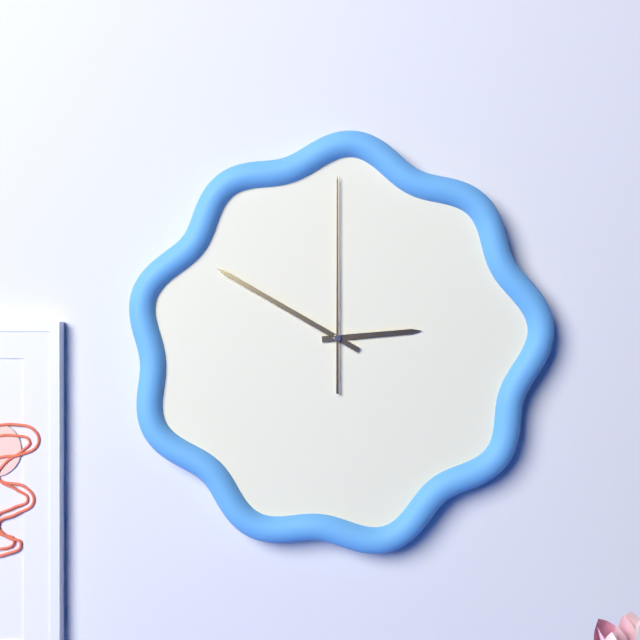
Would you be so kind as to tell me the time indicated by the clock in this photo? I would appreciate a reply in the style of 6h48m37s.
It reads 2h50m00s
